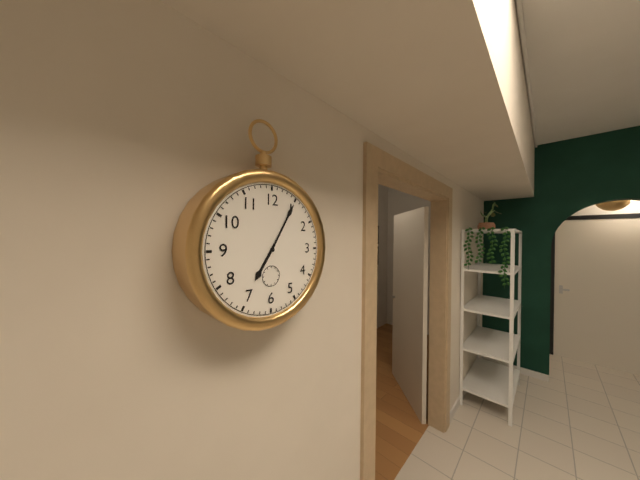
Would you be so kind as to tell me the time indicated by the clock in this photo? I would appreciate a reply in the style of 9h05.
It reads 7h05
